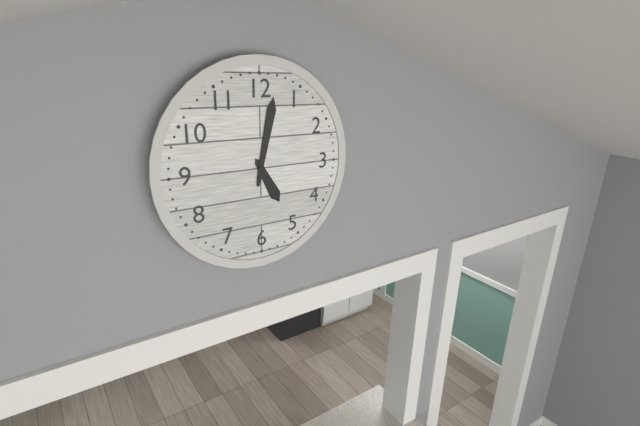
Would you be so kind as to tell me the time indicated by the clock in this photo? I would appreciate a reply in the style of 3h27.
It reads 5h02
